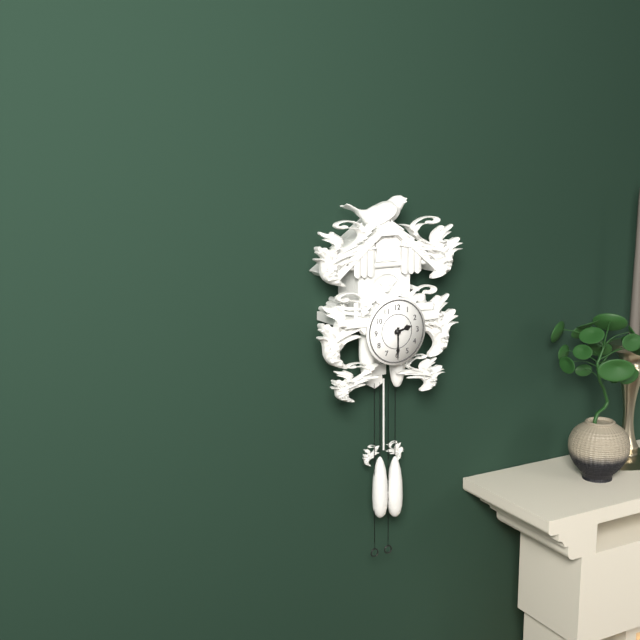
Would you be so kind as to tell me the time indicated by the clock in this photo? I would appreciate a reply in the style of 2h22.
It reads 2h30
